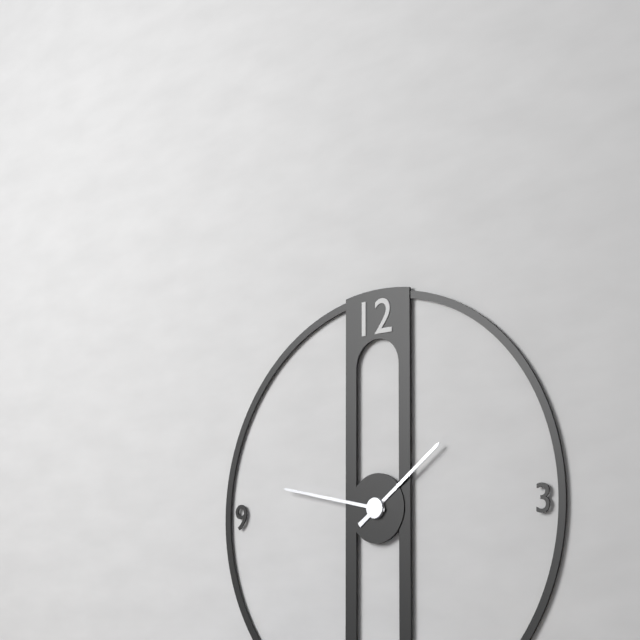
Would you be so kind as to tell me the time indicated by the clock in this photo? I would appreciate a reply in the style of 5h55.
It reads 1h47
